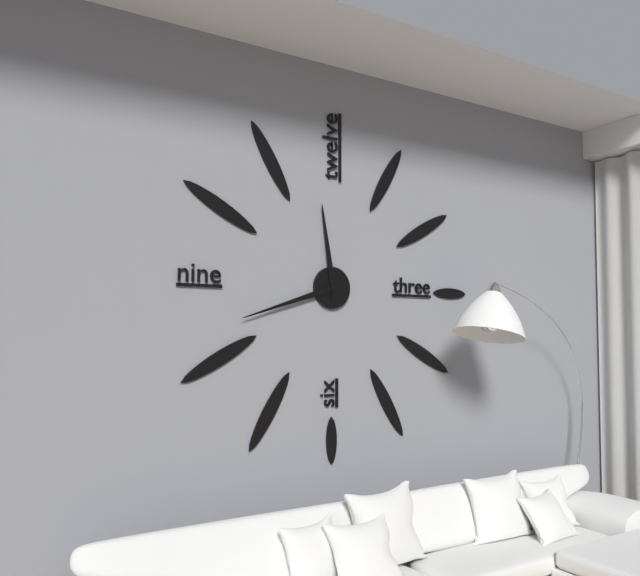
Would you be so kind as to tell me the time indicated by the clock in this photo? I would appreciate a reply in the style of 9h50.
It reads 11h42
